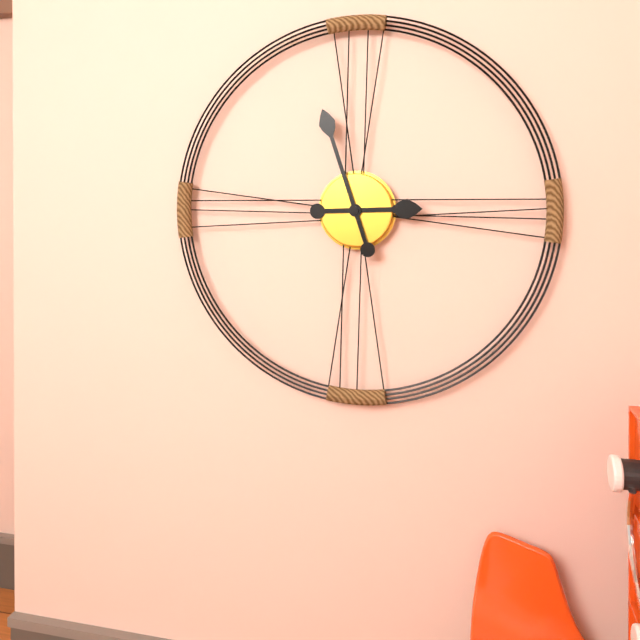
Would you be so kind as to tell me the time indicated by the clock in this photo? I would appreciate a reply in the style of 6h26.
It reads 2h57
